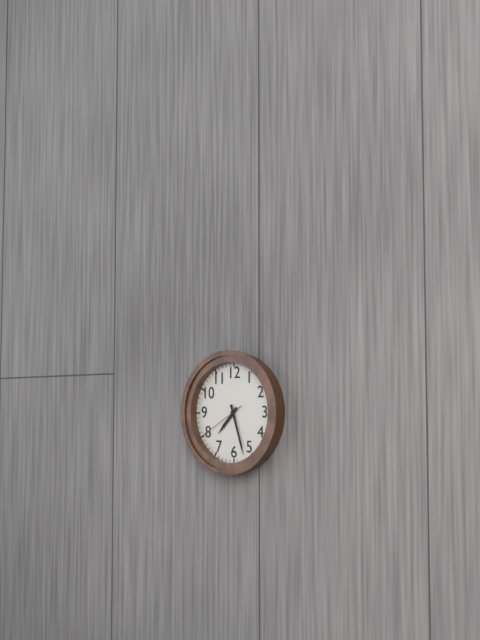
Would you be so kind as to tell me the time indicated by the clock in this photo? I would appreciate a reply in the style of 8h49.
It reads 7h27
